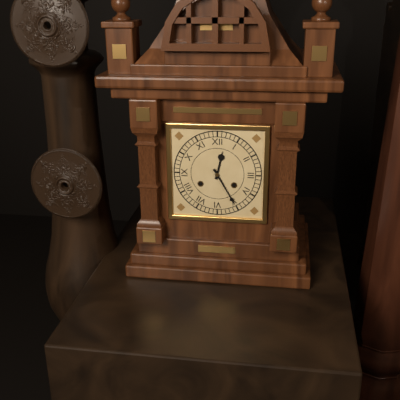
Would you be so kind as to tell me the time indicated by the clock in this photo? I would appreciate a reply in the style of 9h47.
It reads 12h25
